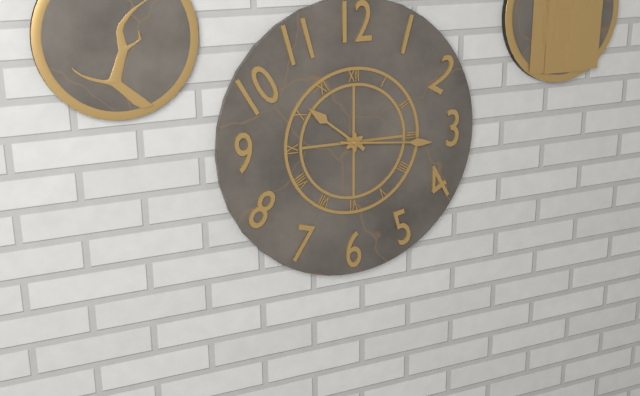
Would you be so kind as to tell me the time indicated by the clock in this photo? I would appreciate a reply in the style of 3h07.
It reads 10h16
